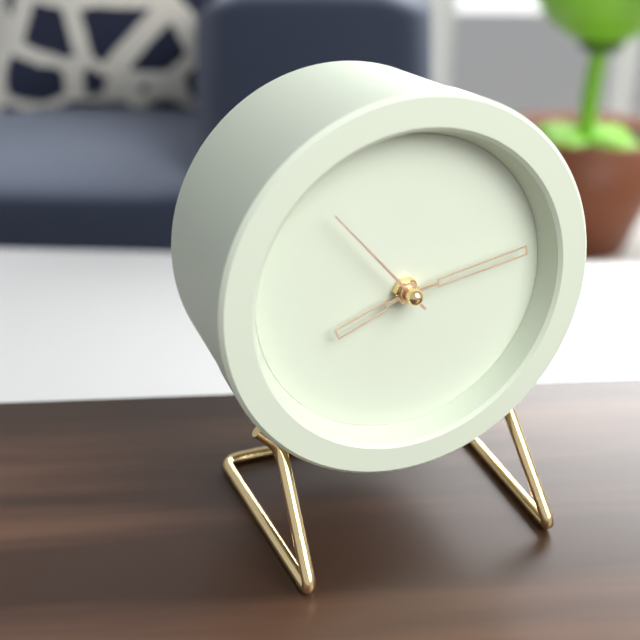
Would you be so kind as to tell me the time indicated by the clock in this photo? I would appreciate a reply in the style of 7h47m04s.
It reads 8h13m53s
